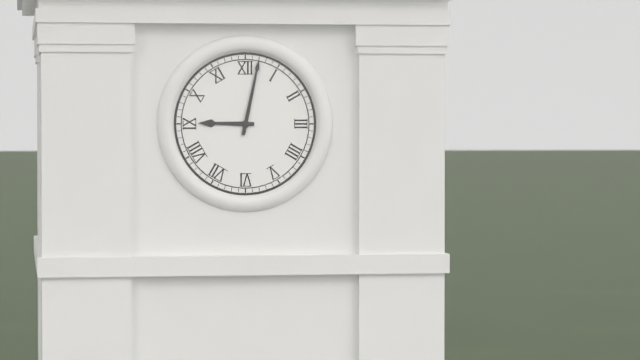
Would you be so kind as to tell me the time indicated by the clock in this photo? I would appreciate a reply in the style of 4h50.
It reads 9h02
